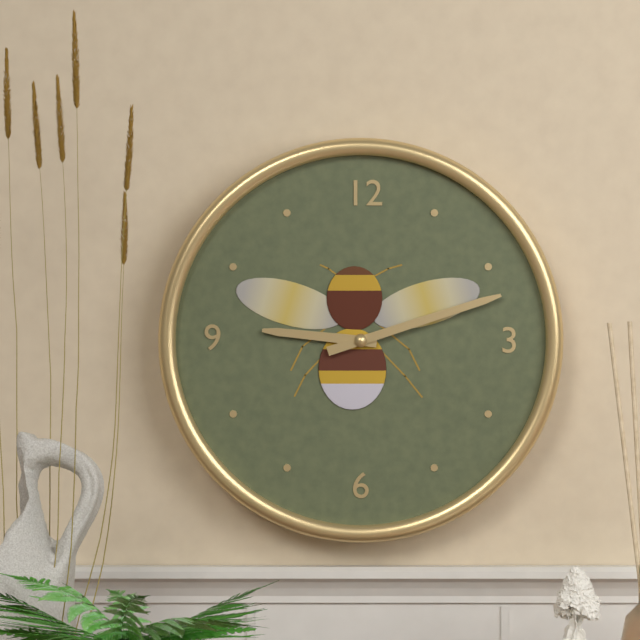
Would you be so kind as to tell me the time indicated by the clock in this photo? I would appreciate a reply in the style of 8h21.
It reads 9h12
